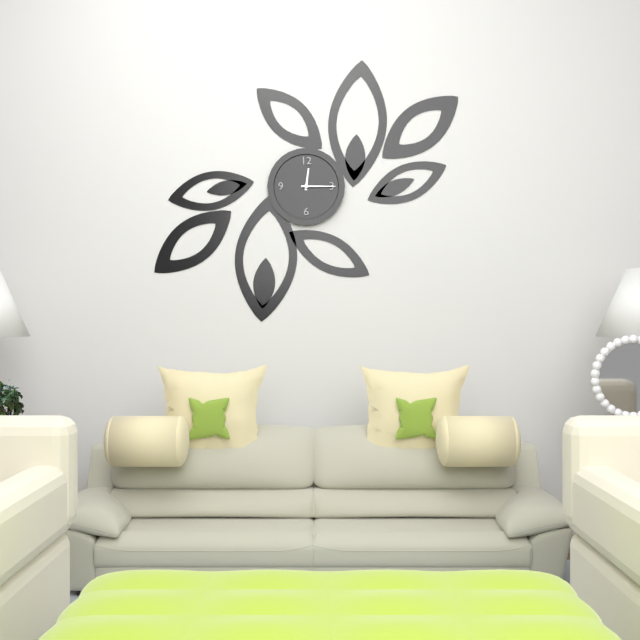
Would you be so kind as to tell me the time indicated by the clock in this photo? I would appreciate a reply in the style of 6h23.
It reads 12h15
